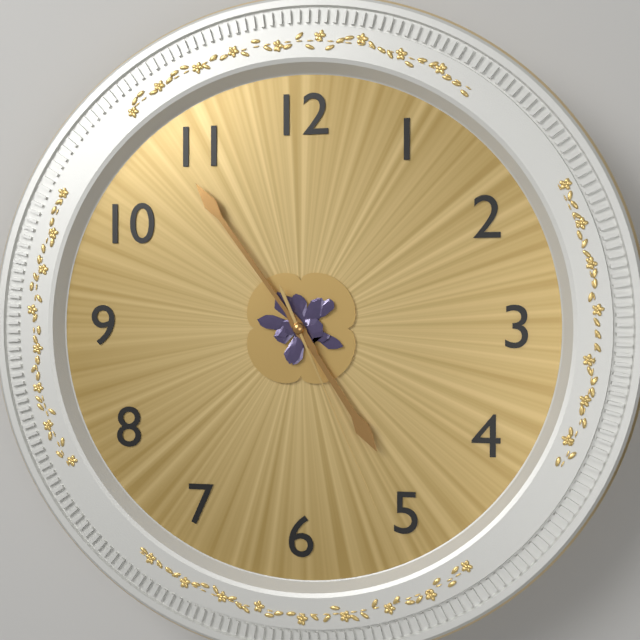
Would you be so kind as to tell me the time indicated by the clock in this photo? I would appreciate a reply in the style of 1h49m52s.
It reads 4h54m26s
